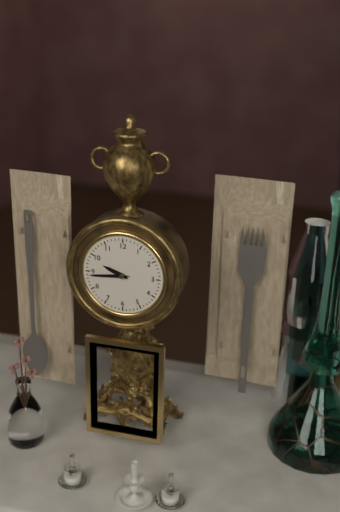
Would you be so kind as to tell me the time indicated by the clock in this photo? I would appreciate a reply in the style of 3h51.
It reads 9h44
